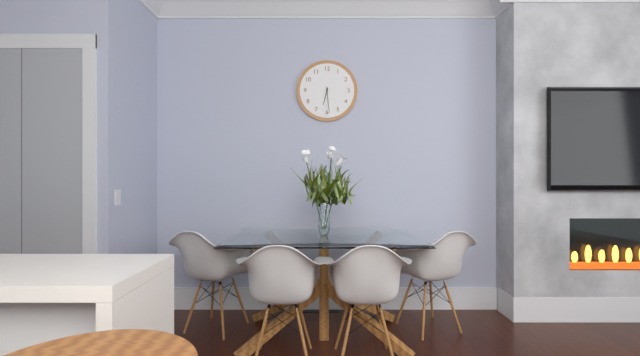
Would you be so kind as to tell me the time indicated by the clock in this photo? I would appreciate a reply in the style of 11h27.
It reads 6h29
